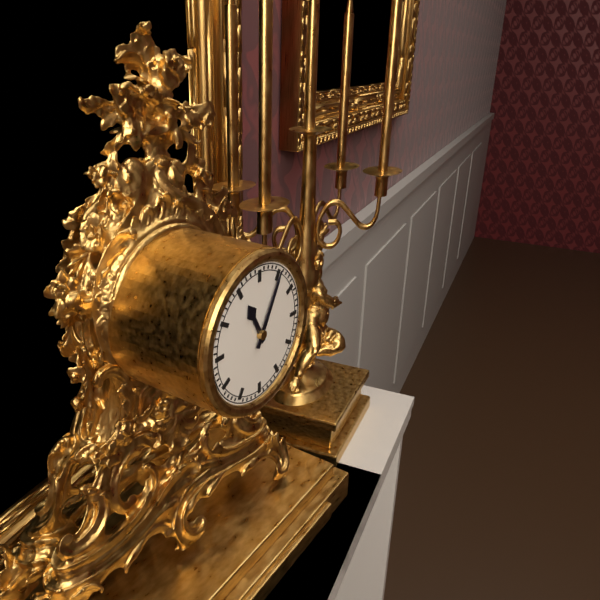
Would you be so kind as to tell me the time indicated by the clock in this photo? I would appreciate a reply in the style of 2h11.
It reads 11h05
